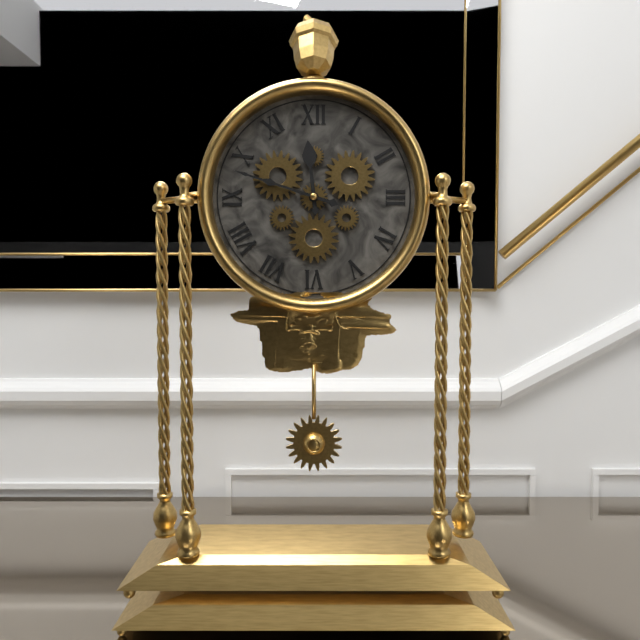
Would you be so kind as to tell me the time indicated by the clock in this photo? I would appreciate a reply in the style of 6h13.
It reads 11h48
